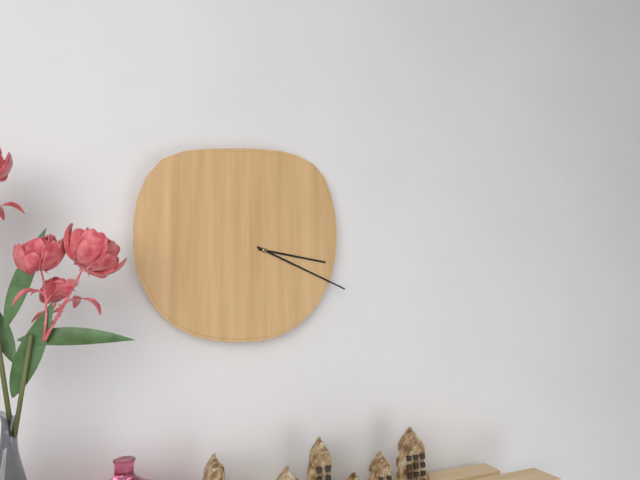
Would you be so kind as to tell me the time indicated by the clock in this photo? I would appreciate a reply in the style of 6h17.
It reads 3h19
